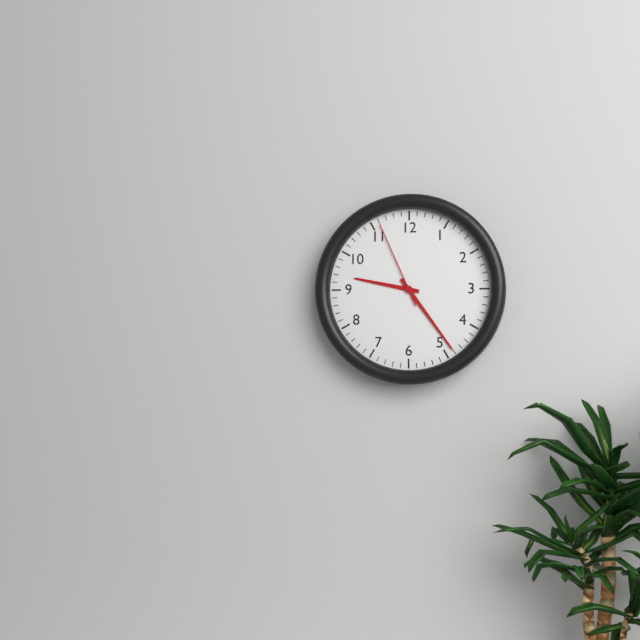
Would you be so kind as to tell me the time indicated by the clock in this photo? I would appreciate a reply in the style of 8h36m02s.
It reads 9h24m56s
